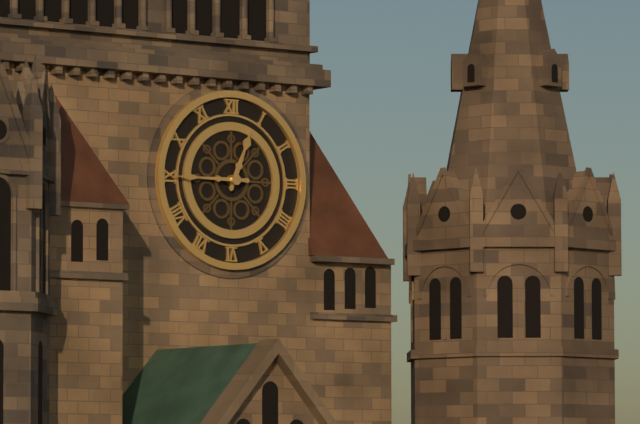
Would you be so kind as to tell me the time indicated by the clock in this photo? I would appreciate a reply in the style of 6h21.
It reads 12h45
